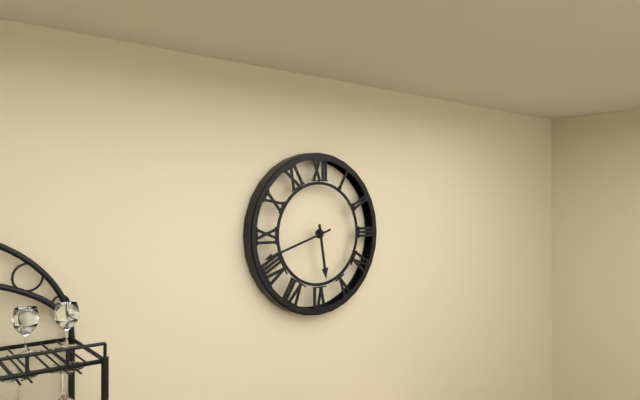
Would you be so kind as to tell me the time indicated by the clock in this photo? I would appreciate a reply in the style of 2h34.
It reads 5h42
